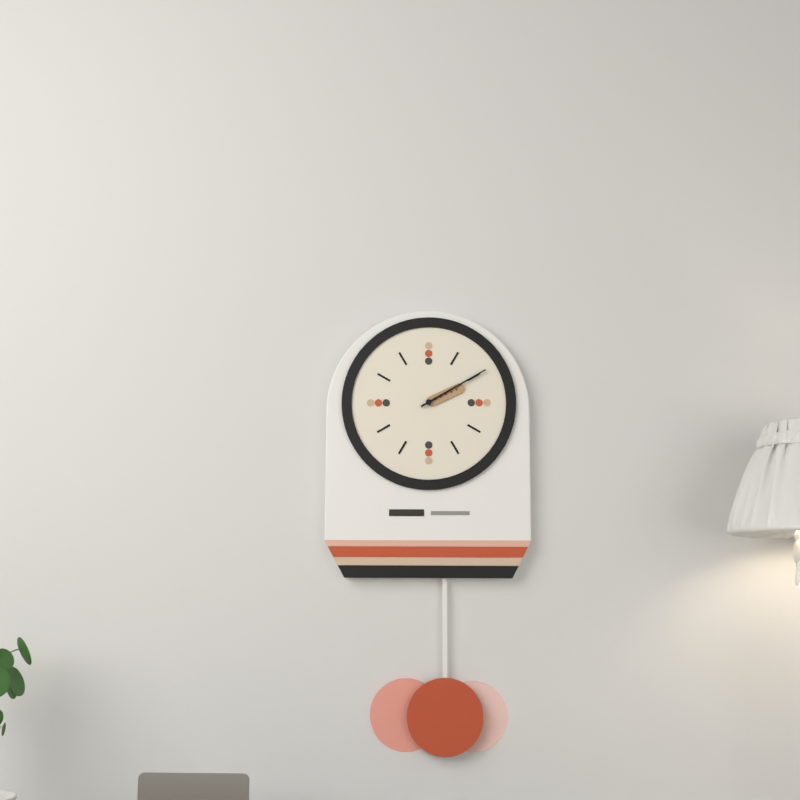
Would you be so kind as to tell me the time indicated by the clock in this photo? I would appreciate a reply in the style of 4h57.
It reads 2h10
